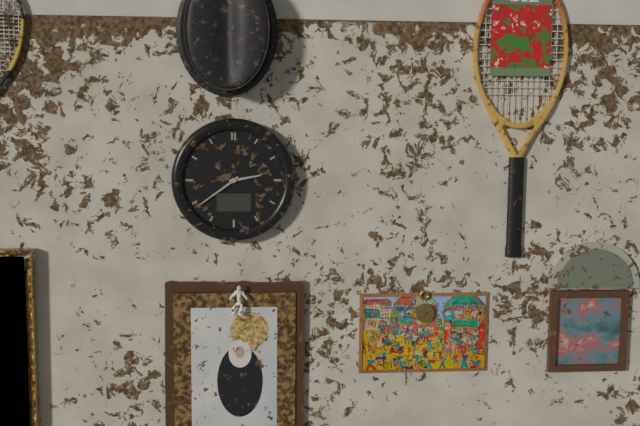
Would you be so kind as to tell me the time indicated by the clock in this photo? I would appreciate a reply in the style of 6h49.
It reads 2h39
